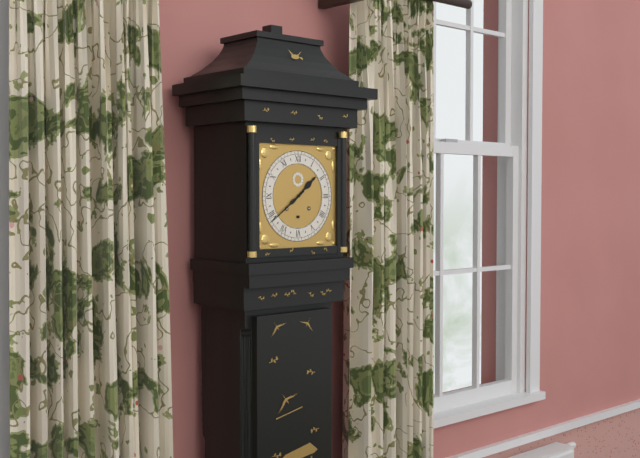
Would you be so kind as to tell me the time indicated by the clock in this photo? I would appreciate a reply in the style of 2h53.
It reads 1h39
